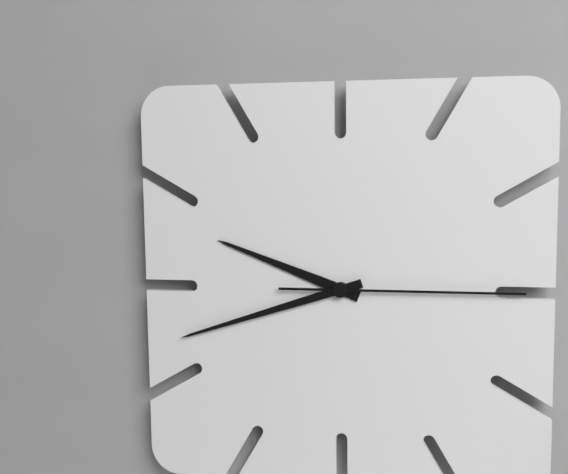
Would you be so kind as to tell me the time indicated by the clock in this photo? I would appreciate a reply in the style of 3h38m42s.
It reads 9h42m15s
